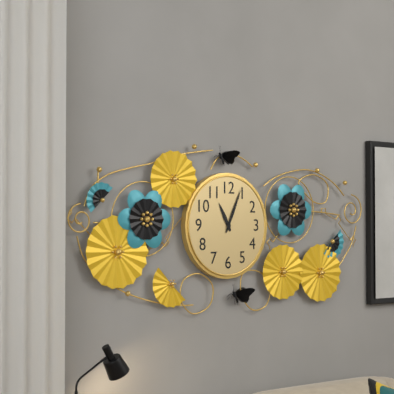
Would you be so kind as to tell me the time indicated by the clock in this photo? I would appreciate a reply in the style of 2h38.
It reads 11h04
